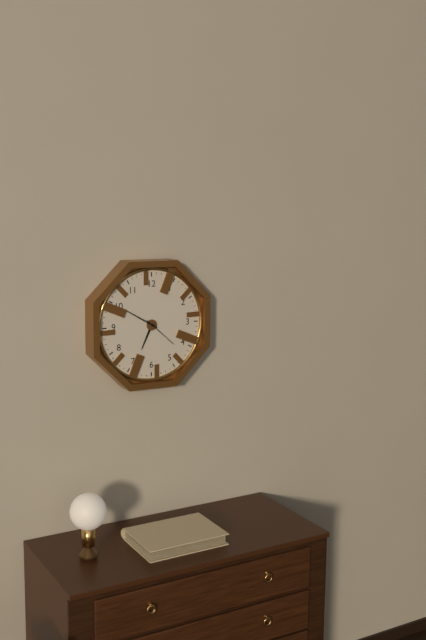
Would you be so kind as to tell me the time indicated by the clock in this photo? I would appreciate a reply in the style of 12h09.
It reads 6h50
